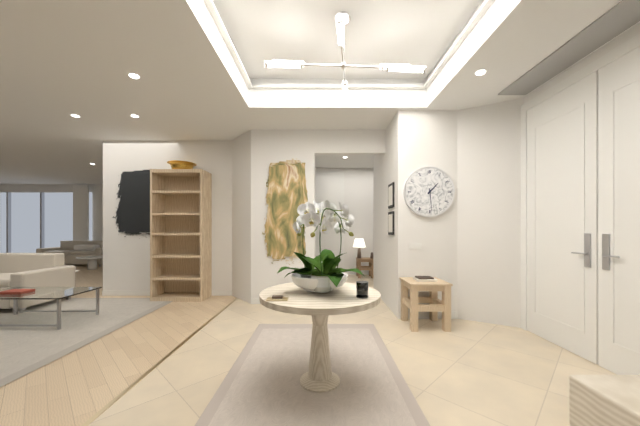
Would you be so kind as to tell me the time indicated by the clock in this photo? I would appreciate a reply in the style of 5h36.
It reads 1h29
